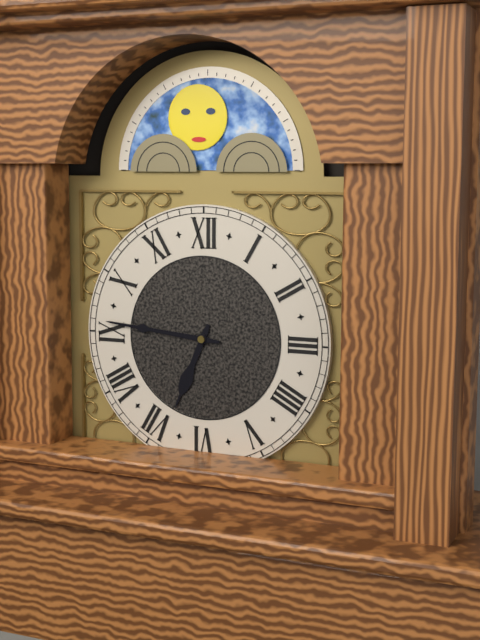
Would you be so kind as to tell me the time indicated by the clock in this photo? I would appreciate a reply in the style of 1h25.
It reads 6h46
